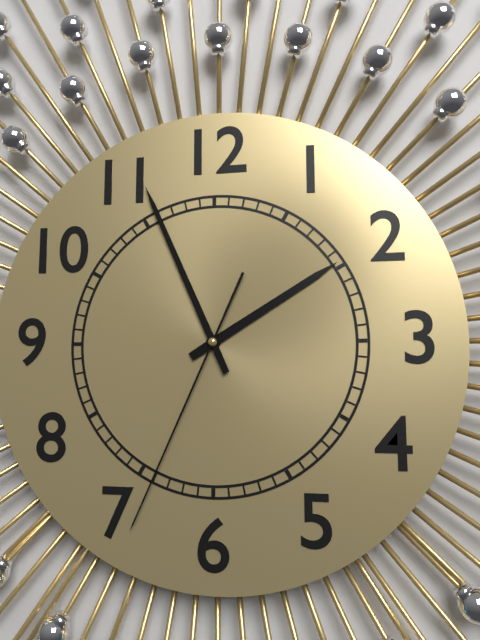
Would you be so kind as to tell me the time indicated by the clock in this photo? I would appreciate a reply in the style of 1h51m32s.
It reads 1h56m34s
